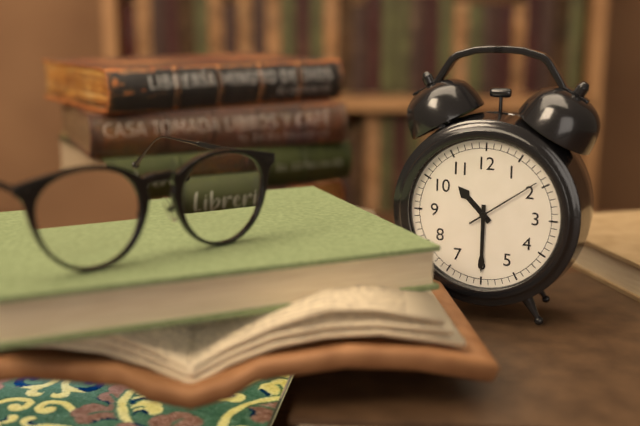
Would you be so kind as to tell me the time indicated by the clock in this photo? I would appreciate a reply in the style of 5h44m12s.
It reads 10h30m09s
